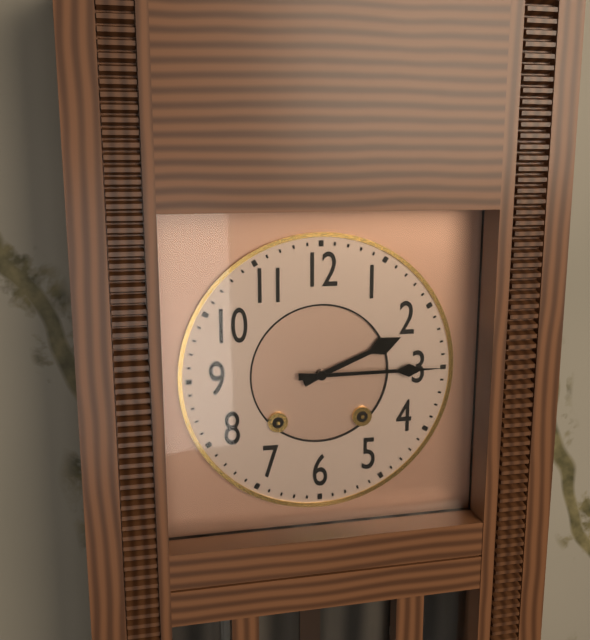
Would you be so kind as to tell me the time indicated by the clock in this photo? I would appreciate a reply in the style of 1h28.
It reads 2h15
